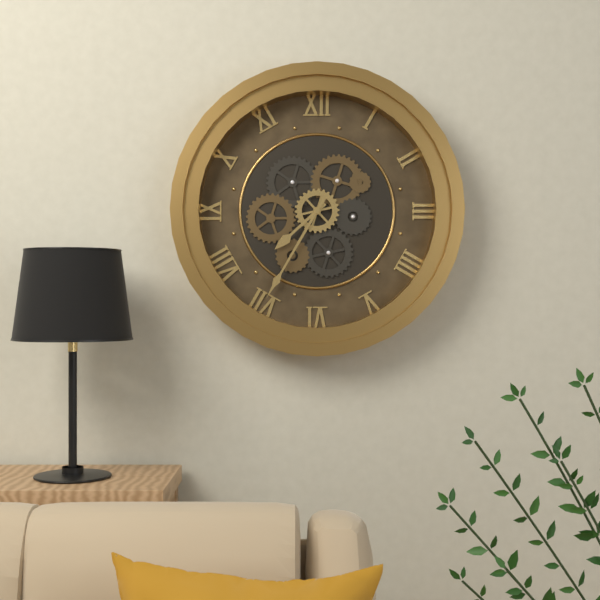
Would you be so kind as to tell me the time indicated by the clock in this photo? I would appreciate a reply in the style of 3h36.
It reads 7h35
